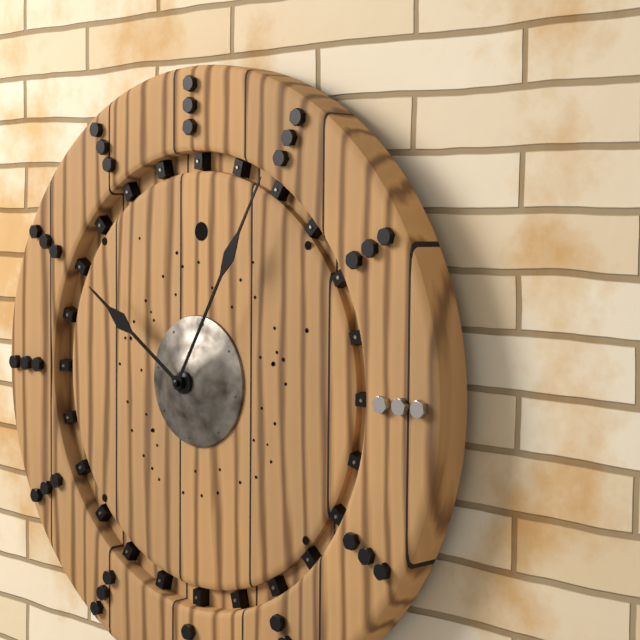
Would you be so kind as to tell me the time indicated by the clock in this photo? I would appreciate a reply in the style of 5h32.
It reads 10h05
